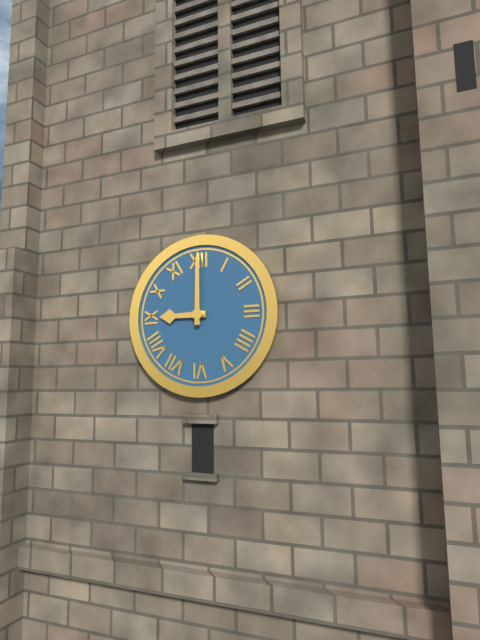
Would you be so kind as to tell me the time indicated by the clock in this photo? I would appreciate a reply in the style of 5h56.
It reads 9h00
